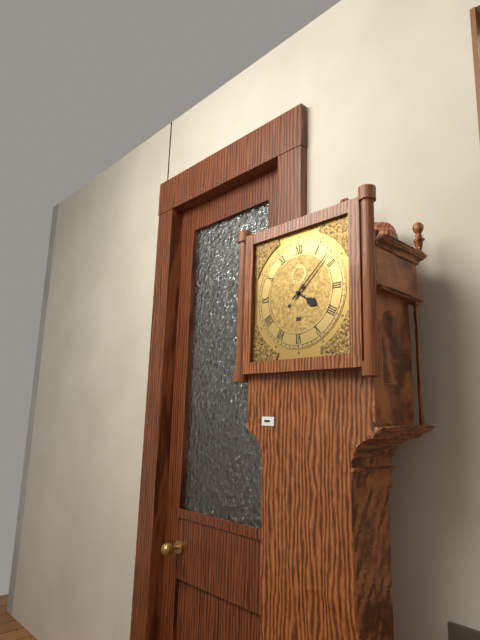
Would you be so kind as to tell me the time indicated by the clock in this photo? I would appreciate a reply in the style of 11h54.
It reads 4h08
